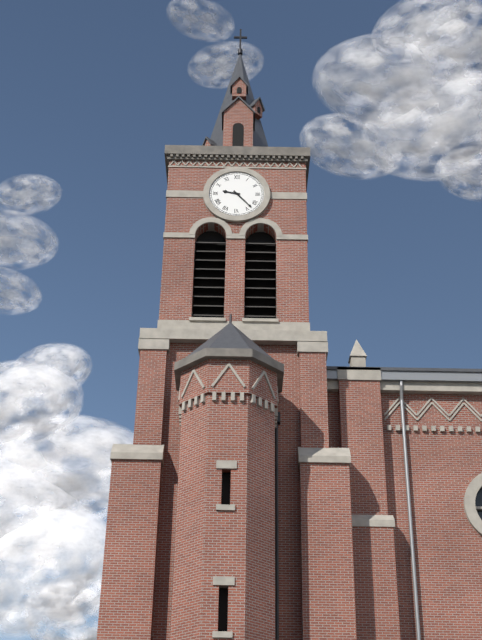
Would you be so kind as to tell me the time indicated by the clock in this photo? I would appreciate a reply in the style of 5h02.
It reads 9h23
